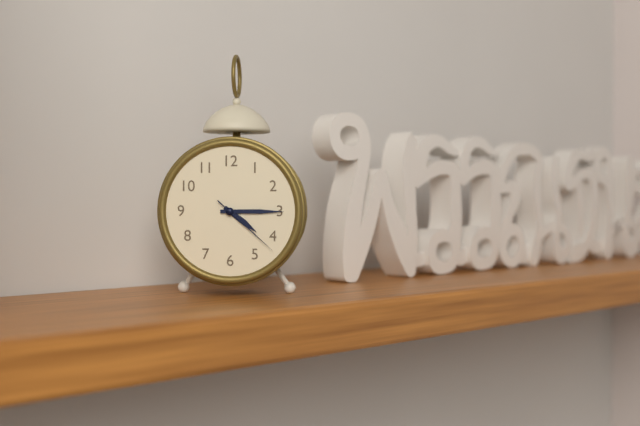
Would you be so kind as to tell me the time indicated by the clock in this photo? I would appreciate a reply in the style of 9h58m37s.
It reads 4h15m22s
